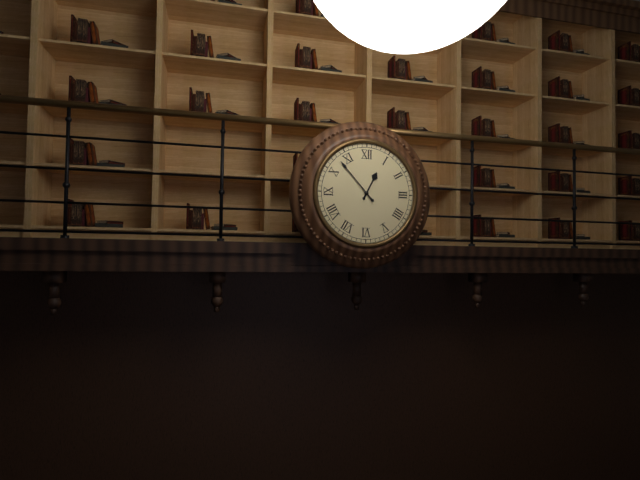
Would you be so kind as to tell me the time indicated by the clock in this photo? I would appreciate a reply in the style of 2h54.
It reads 12h53
